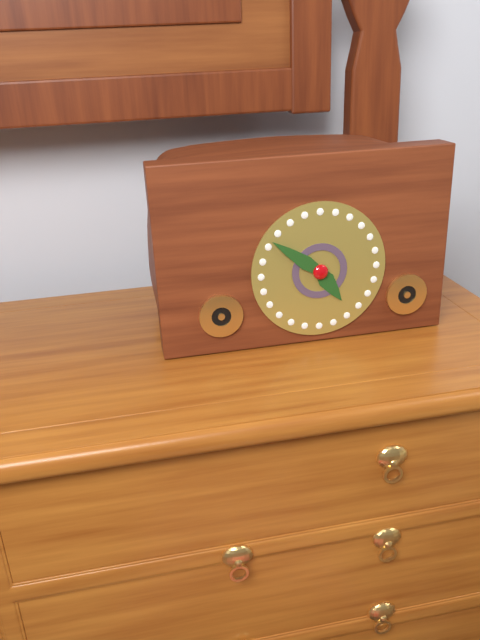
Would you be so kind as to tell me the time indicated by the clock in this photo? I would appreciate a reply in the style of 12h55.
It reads 4h51
